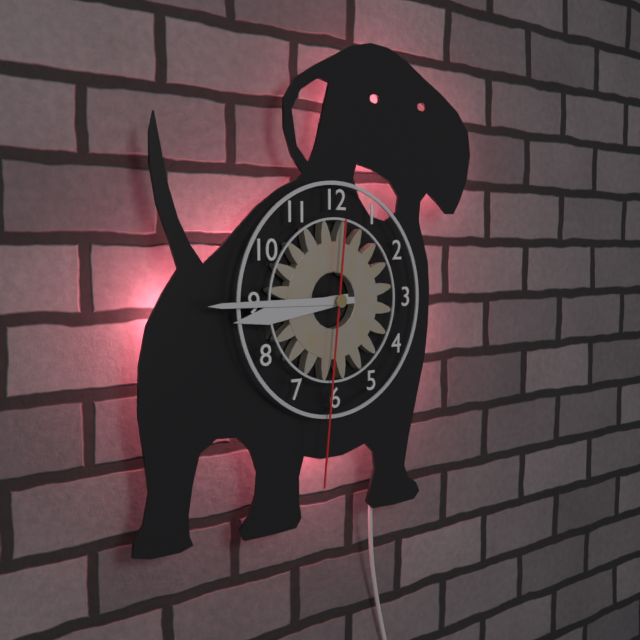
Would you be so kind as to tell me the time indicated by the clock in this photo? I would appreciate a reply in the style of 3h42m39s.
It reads 8h45m31s
